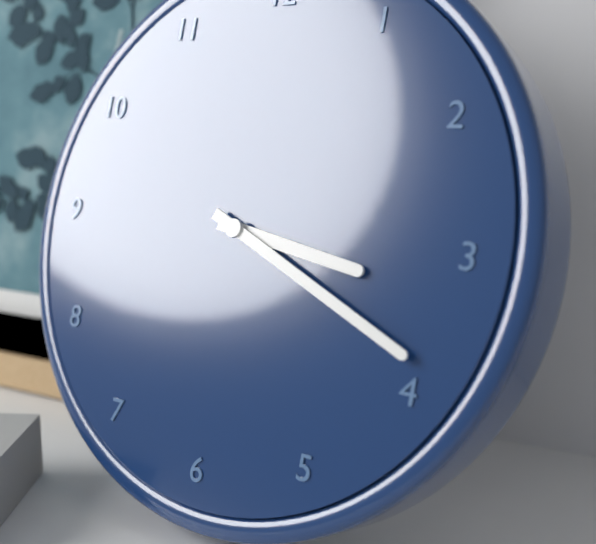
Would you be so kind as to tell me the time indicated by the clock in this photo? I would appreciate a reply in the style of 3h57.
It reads 3h19
